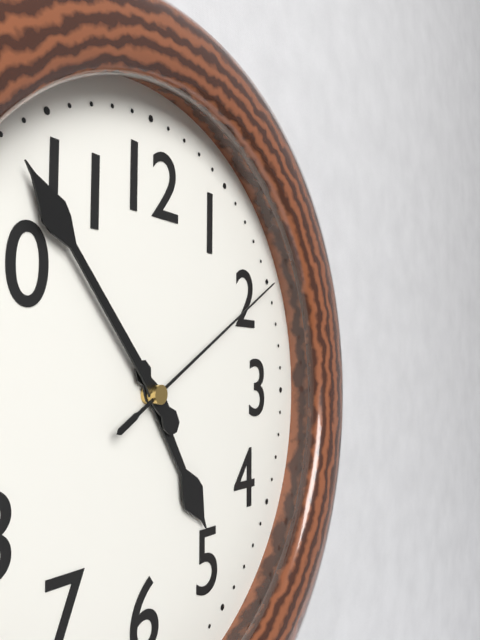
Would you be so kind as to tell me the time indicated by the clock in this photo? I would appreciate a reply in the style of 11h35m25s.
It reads 4h53m10s
